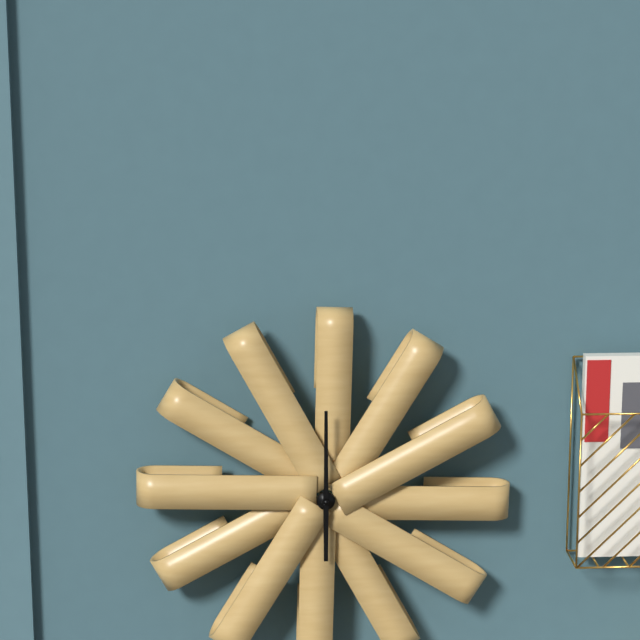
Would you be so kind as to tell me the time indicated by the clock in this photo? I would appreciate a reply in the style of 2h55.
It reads 6h00
